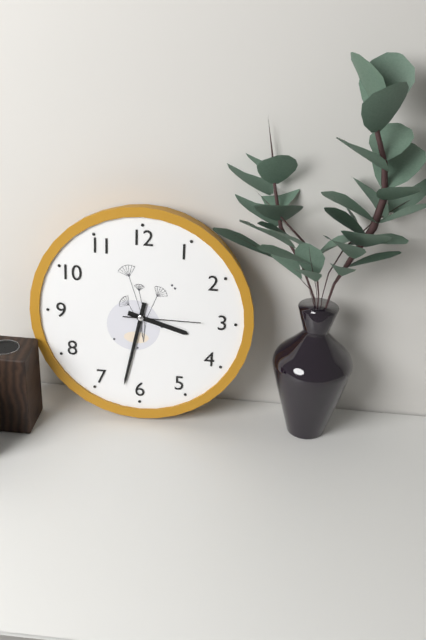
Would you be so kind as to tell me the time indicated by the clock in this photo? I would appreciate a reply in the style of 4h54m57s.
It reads 3h32m15s
